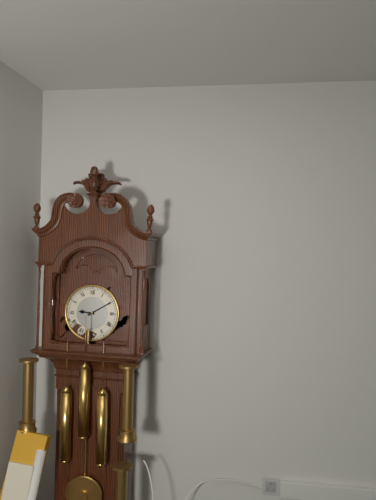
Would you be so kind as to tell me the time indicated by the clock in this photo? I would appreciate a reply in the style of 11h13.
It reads 9h10
